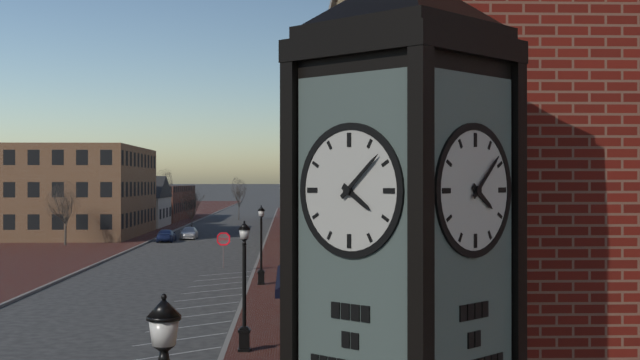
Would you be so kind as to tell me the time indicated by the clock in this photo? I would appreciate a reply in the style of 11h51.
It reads 4h08
